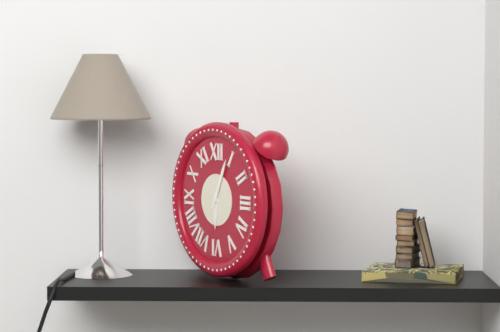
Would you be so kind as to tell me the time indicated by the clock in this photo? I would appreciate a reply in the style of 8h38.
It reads 6h04
